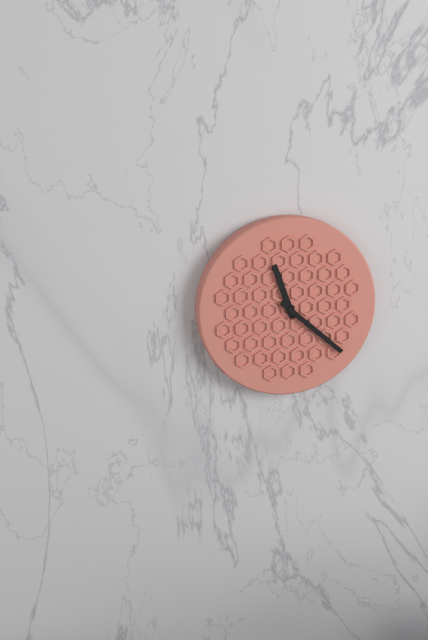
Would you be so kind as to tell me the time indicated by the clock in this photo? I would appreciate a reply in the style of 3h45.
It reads 11h22
